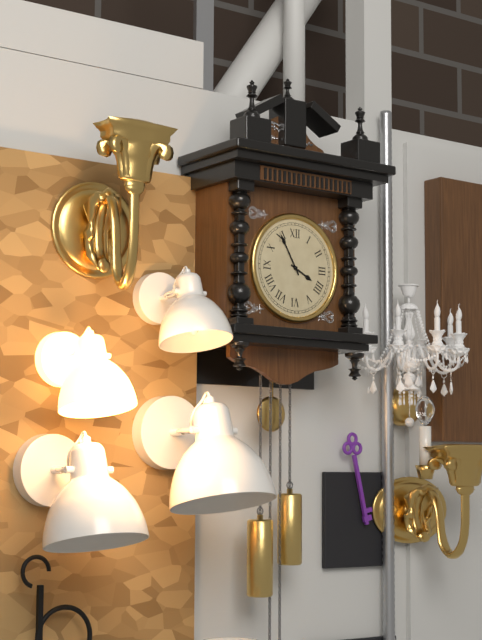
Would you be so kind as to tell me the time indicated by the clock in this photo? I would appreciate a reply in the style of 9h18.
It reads 3h55
